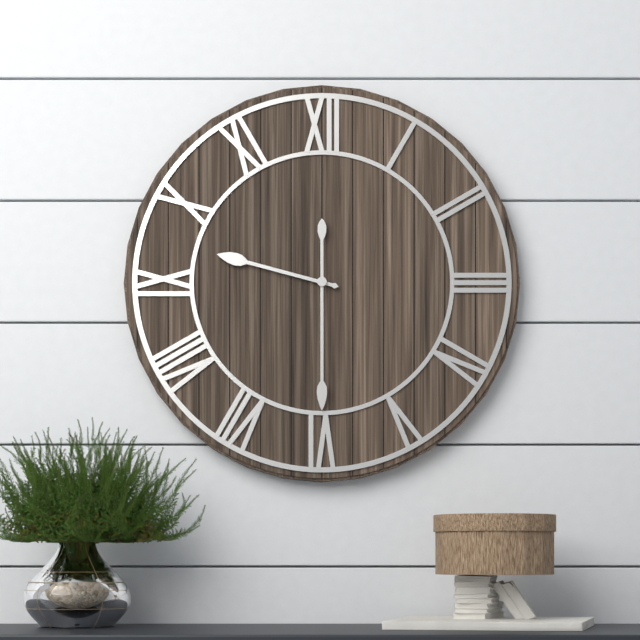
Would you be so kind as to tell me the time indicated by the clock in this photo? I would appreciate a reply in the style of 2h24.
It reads 9h30
